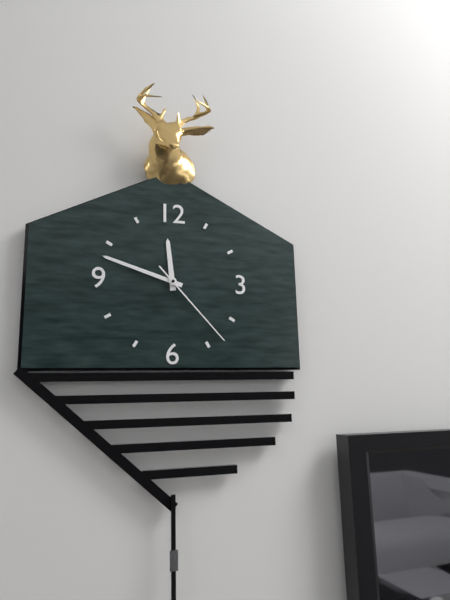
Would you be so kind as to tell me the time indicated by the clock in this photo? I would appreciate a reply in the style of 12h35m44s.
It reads 11h48m23s
